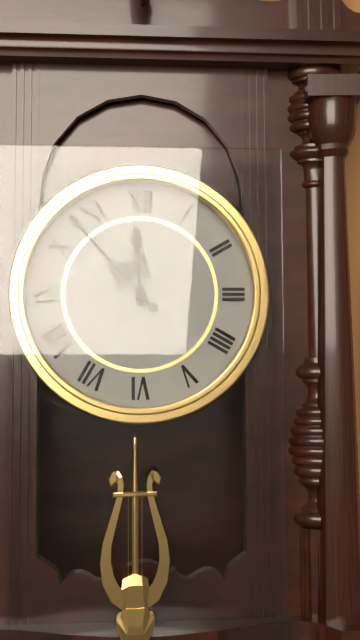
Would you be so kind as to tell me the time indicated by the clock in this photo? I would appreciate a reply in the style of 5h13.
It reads 11h53
